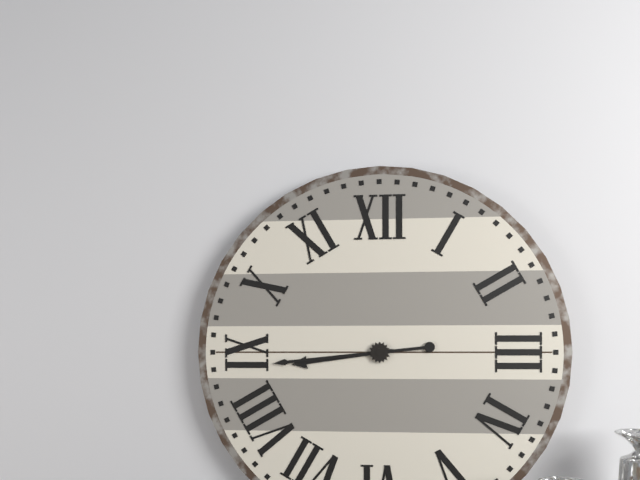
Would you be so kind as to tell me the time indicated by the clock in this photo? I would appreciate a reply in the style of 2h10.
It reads 8h44
